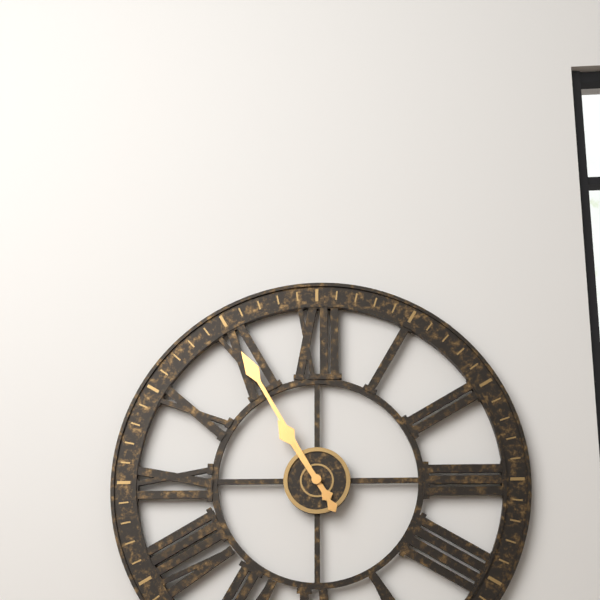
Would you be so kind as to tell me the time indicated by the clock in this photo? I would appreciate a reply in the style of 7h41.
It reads 10h55
